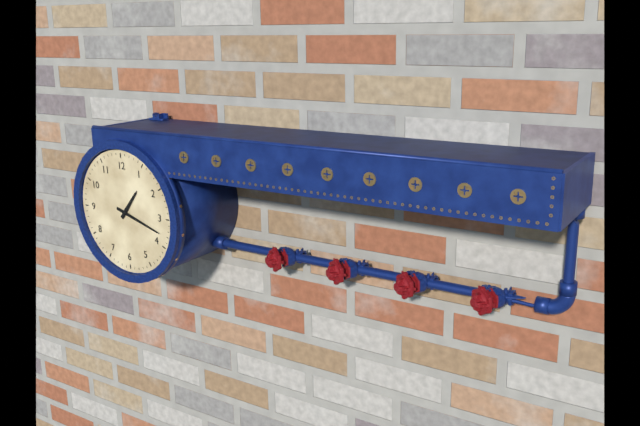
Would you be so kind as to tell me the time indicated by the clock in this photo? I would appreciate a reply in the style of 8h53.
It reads 1h18
